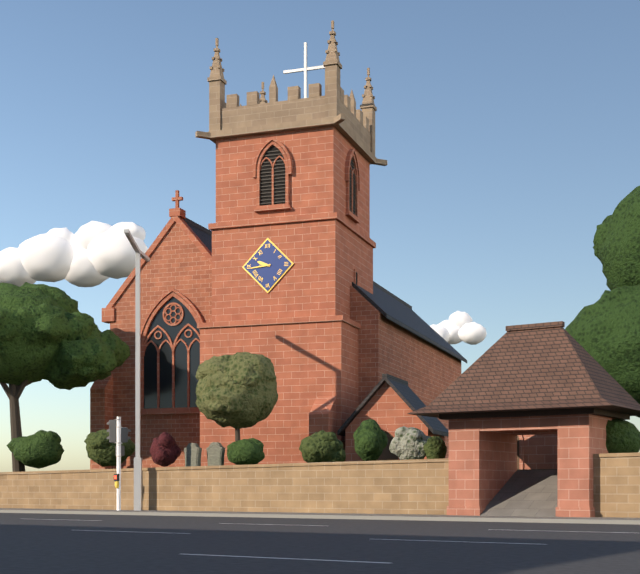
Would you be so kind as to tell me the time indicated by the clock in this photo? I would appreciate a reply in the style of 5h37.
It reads 9h44
